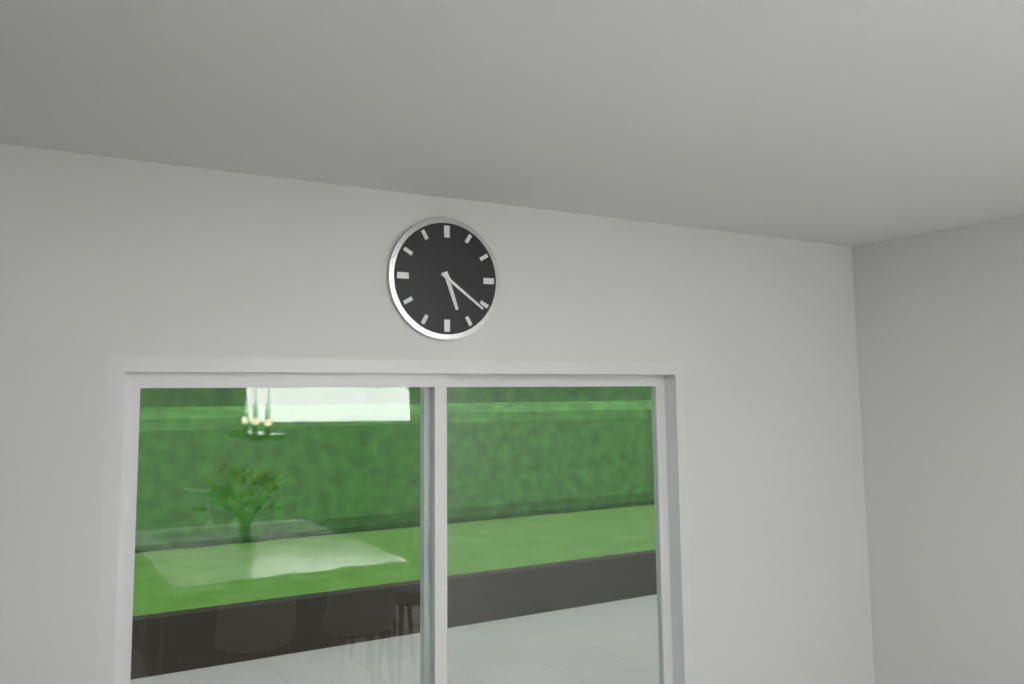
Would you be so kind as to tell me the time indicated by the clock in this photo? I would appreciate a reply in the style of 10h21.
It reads 5h21
